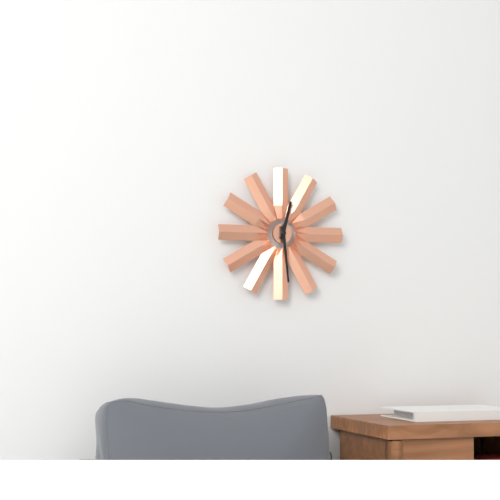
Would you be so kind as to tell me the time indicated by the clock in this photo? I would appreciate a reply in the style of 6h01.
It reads 12h29
